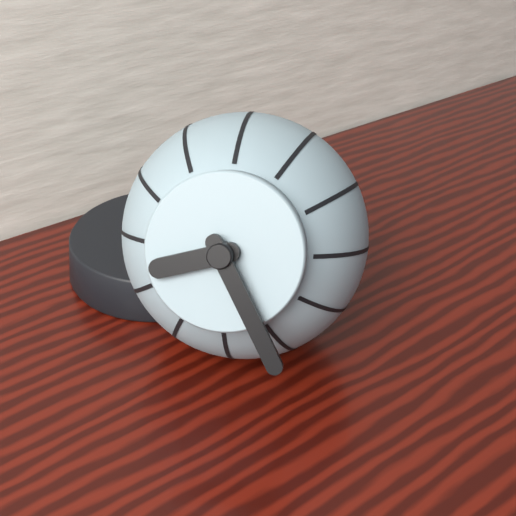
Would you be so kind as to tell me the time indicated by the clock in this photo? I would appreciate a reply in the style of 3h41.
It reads 8h25
